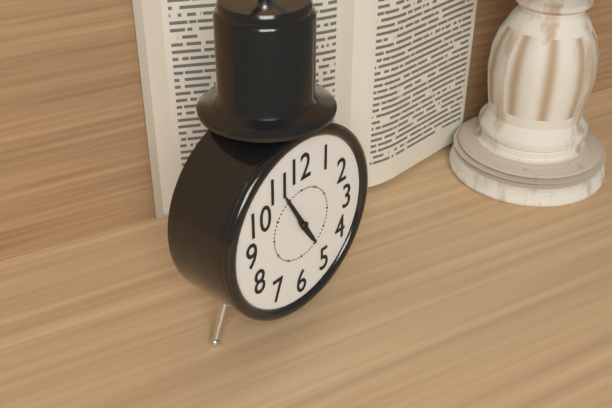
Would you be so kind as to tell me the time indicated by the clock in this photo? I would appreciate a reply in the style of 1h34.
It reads 4h55
